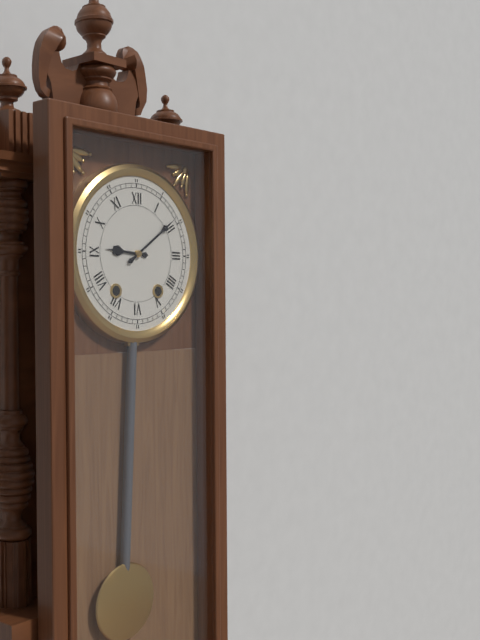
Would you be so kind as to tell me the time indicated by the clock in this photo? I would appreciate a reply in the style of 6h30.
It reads 9h09
